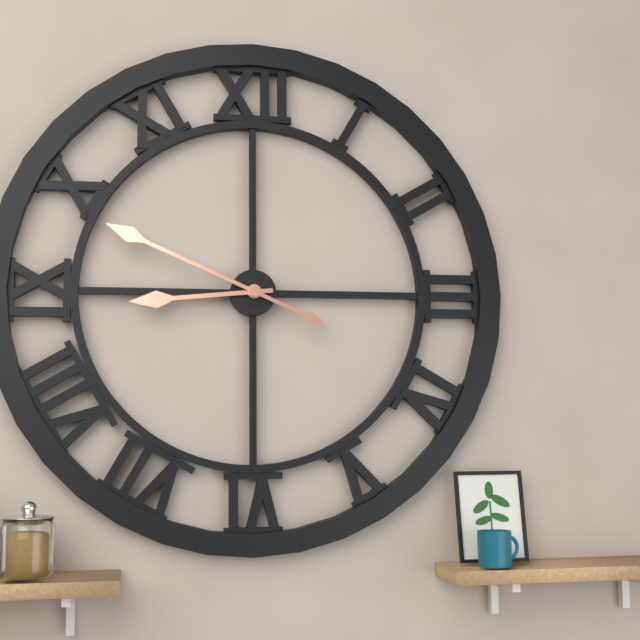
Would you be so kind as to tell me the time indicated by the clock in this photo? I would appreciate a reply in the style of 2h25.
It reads 8h49
